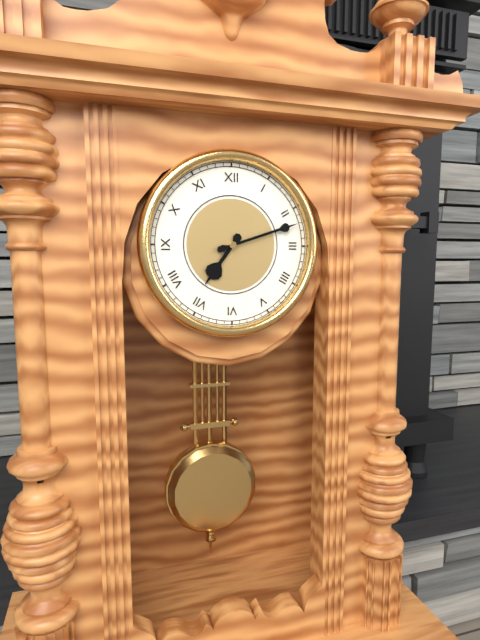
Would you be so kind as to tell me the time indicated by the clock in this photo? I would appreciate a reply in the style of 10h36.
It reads 7h12
